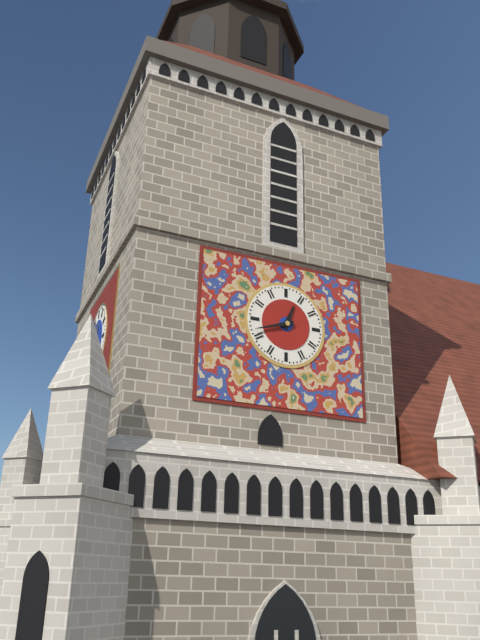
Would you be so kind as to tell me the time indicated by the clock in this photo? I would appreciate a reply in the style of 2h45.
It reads 12h42
